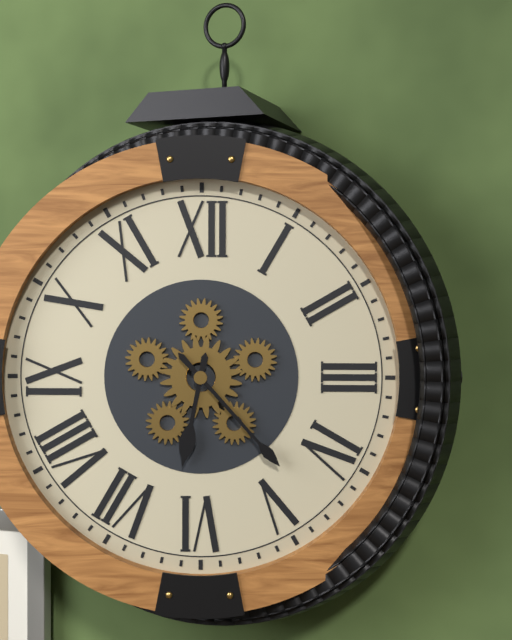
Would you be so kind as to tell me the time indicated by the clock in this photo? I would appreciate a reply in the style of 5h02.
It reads 6h23
